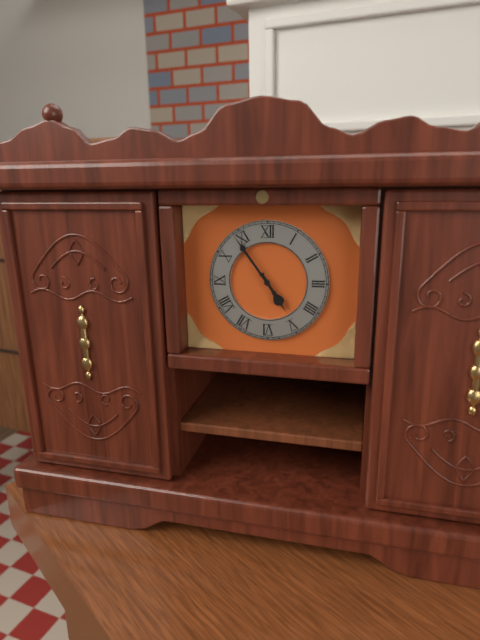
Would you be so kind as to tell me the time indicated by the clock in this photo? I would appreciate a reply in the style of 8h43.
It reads 4h54
